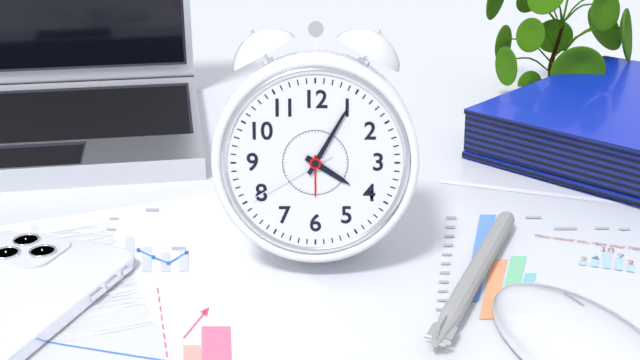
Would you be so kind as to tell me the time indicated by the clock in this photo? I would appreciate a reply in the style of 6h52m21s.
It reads 4h05m40s
